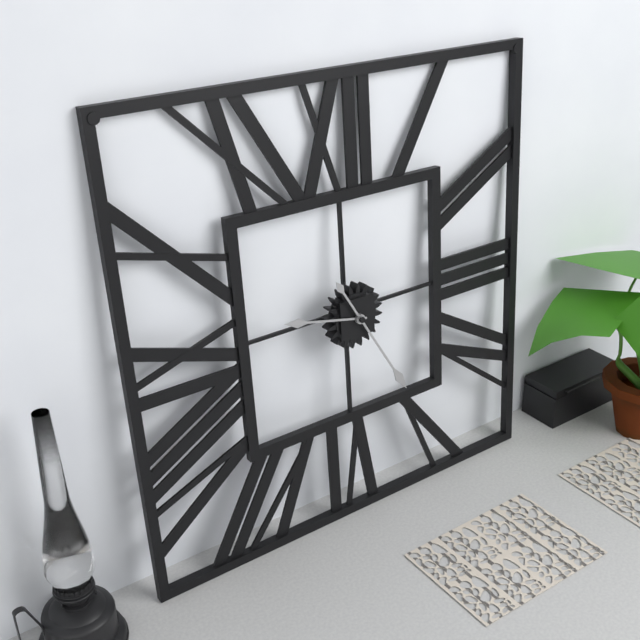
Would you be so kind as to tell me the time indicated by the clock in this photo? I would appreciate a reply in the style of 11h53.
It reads 9h25
